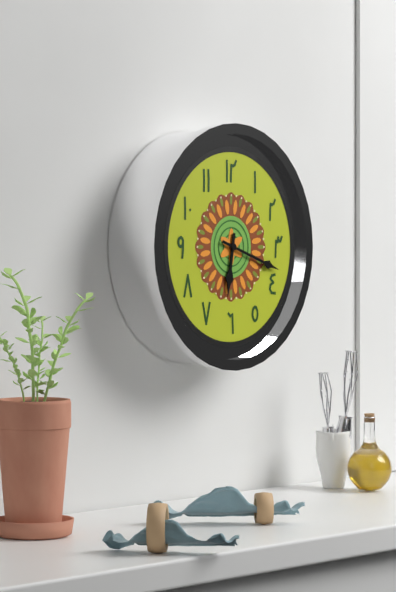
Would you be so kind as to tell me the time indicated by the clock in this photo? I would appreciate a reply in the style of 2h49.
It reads 6h18
